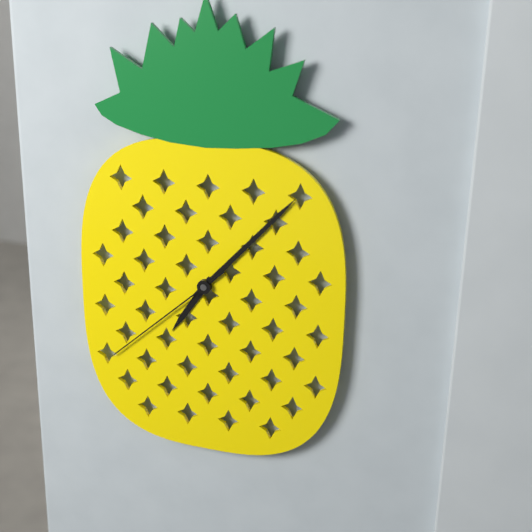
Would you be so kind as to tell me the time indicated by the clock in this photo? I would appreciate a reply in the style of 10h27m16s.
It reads 7h07m38s
